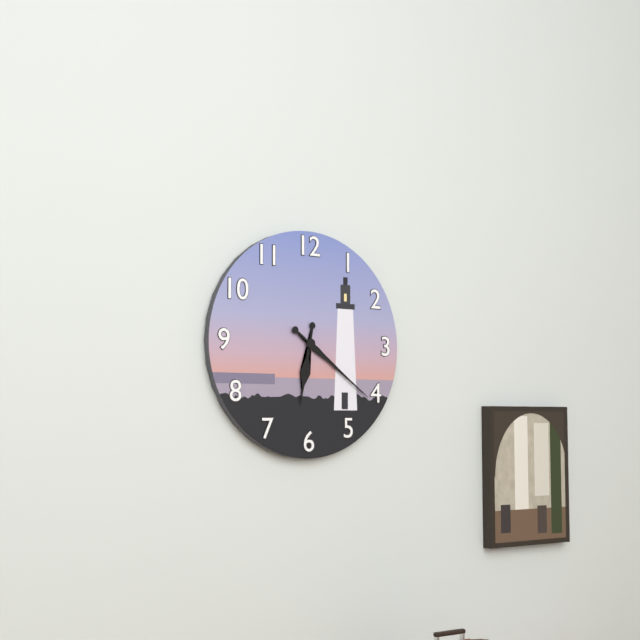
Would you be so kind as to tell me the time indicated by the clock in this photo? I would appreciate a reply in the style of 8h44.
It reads 6h21
